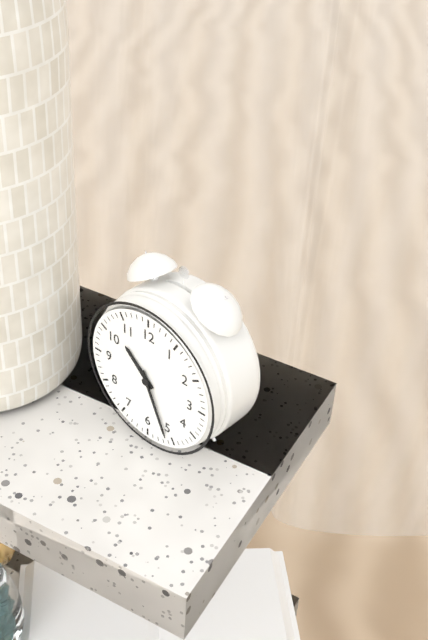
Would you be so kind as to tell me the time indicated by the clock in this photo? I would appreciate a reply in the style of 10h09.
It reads 10h26
